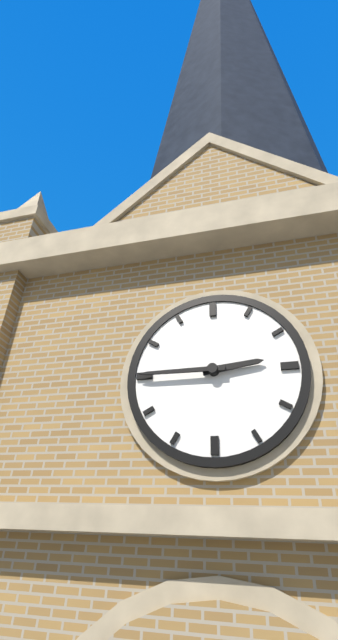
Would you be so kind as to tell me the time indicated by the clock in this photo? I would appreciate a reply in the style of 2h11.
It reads 2h45
